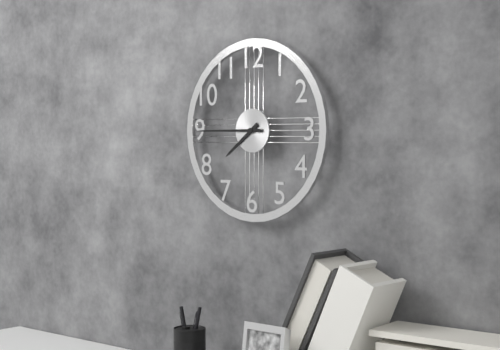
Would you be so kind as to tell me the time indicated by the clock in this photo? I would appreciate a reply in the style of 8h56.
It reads 7h45
